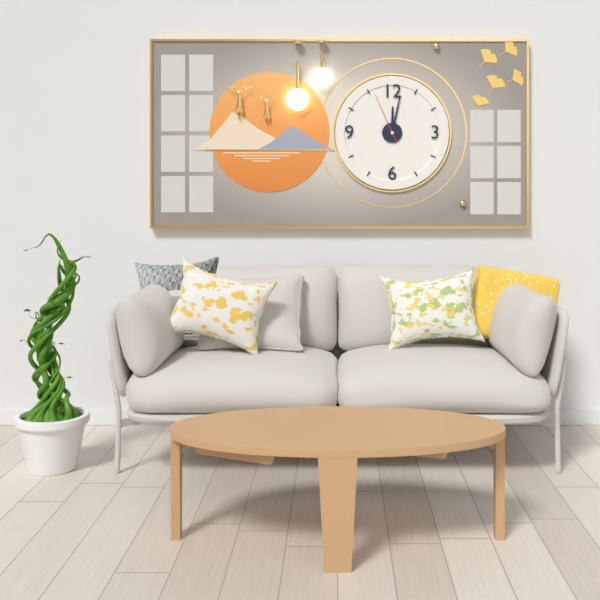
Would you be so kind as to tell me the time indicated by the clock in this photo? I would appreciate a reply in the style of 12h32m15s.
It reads 12h02m56s
